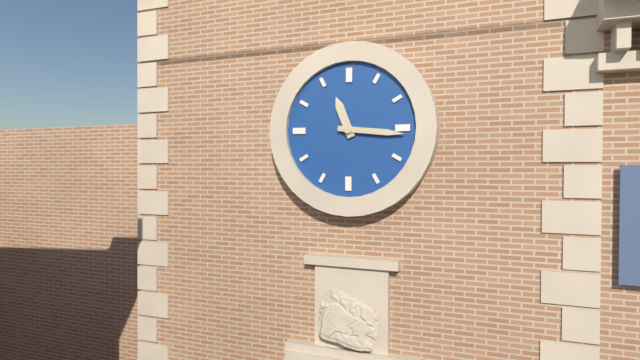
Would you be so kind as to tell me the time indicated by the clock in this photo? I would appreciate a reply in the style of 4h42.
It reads 11h16
